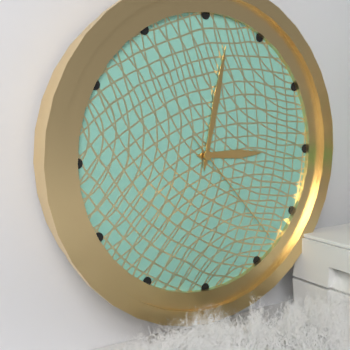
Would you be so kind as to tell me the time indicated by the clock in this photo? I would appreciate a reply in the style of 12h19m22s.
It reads 3h02m23s
